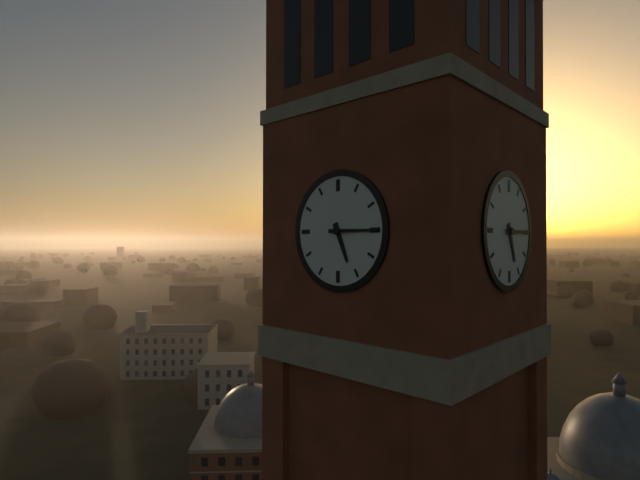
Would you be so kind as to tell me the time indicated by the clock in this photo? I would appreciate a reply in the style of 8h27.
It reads 5h15
